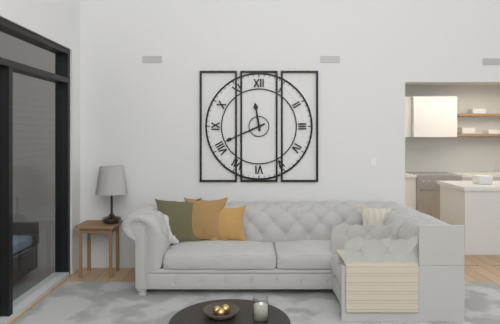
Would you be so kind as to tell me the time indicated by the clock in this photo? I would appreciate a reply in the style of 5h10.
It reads 11h41
